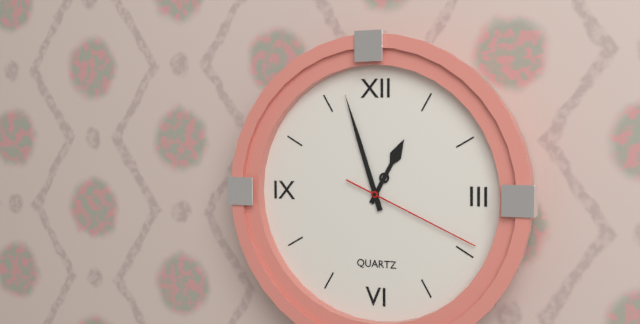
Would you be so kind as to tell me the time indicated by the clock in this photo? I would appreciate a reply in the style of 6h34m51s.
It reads 12h57m19s
